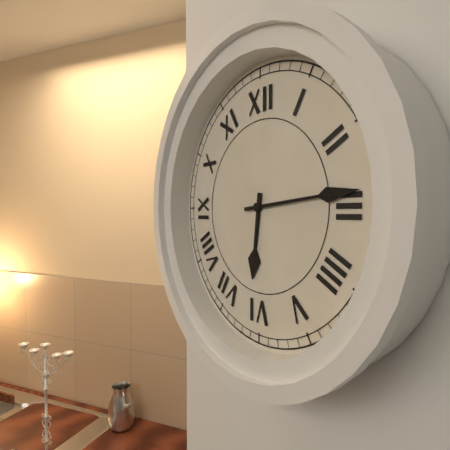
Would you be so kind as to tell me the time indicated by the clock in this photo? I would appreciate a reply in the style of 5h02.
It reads 6h14
